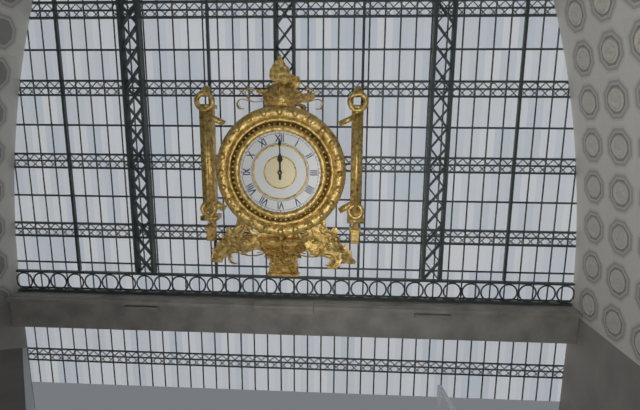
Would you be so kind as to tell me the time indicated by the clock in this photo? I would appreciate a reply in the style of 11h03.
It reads 12h00
